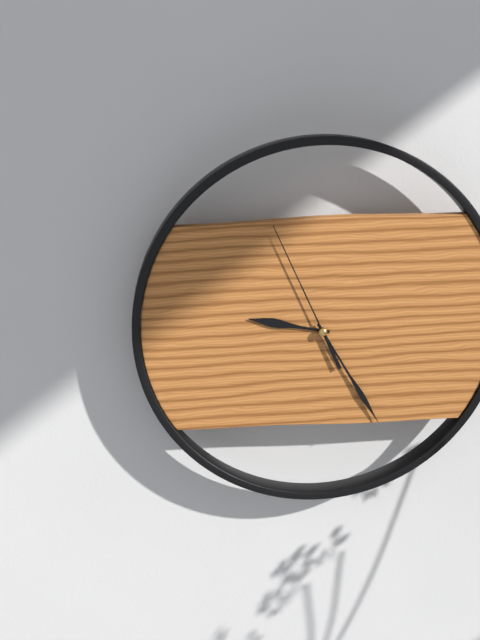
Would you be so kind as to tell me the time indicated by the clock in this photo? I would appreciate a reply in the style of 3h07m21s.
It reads 9h25m56s
